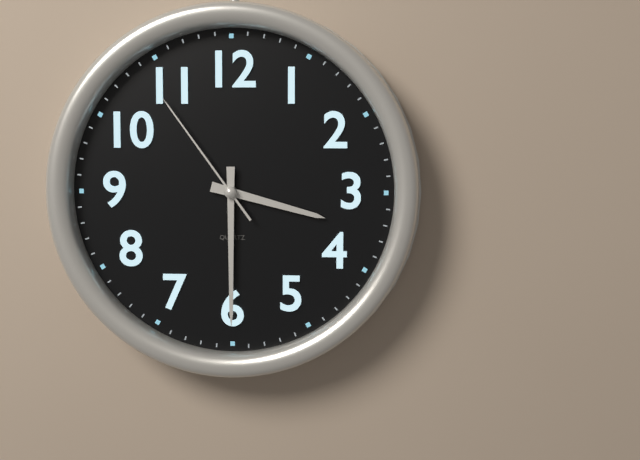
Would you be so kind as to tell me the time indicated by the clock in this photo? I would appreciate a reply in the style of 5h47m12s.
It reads 3h30m54s
